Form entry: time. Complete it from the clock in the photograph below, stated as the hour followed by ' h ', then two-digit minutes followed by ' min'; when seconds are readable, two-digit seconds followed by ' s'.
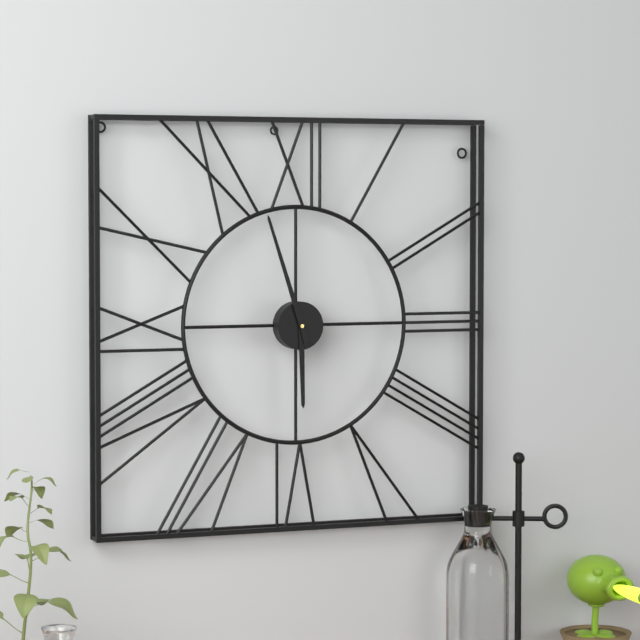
5 h 57 min
